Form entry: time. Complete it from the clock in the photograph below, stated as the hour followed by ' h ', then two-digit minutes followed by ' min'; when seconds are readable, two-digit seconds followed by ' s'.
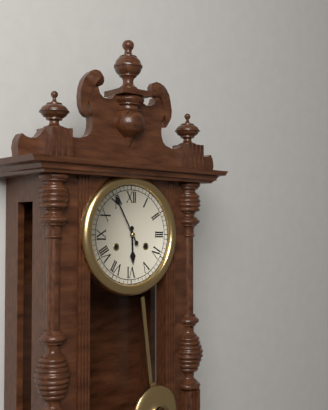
5 h 55 min
